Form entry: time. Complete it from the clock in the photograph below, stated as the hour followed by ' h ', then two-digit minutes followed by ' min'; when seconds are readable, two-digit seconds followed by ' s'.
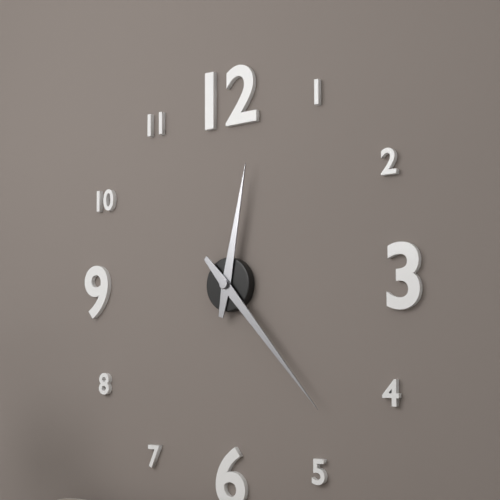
12 h 23 min
